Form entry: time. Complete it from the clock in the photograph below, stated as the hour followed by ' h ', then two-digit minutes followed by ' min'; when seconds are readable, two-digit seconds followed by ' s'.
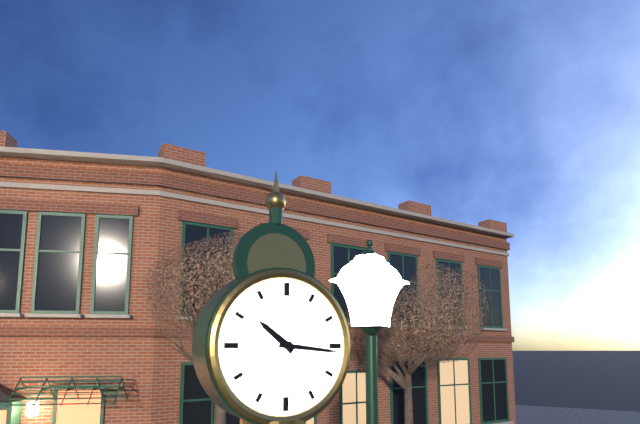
10 h 16 min
